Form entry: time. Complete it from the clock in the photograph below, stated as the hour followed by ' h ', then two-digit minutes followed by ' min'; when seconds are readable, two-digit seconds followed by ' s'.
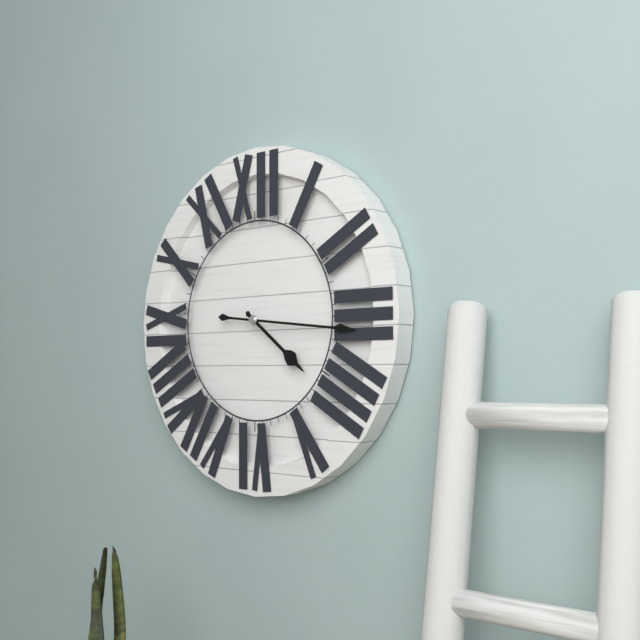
4 h 16 min
